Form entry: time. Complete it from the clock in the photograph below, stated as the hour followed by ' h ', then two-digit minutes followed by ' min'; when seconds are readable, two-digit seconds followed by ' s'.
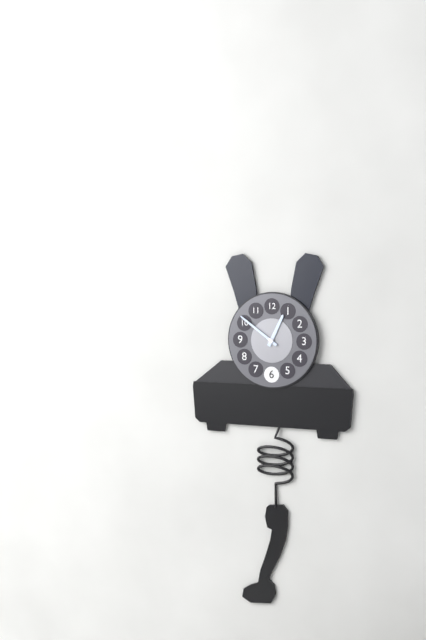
12 h 51 min
